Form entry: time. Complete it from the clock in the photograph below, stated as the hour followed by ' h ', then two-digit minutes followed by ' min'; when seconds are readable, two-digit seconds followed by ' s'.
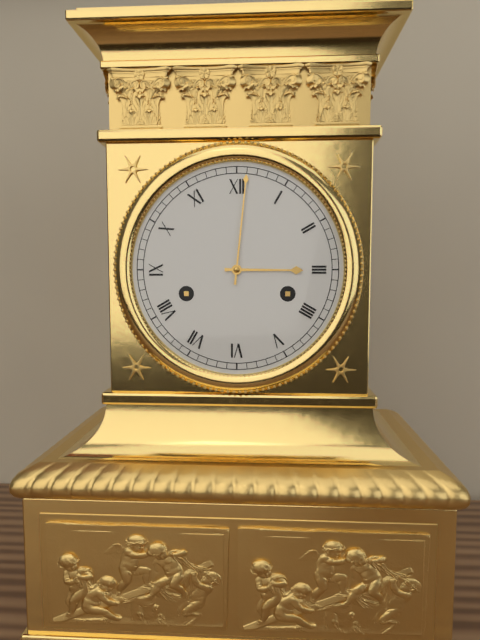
3 h 01 min
